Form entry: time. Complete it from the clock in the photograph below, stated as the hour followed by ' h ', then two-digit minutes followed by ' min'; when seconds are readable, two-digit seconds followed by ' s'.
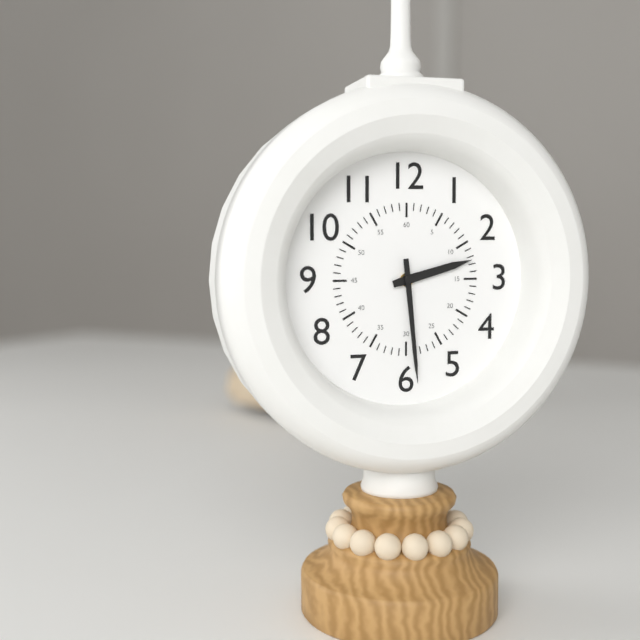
2 h 29 min
